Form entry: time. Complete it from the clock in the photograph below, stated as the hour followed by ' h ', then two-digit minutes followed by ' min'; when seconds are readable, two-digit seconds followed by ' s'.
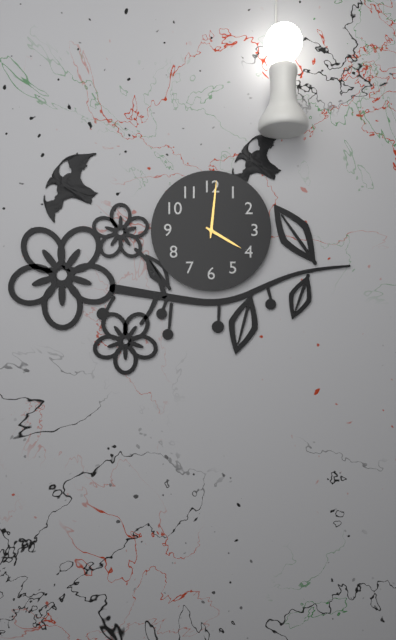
4 h 01 min
